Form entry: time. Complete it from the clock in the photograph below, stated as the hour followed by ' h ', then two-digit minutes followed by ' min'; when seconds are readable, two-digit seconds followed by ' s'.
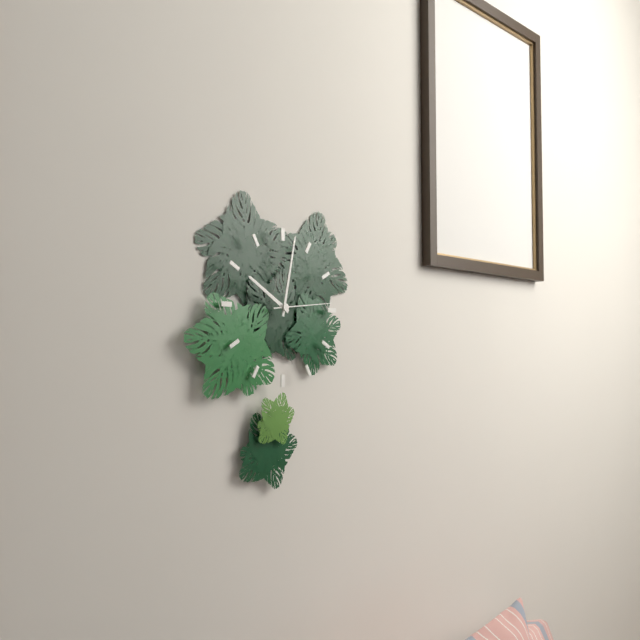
10 h 02 min 14 s
